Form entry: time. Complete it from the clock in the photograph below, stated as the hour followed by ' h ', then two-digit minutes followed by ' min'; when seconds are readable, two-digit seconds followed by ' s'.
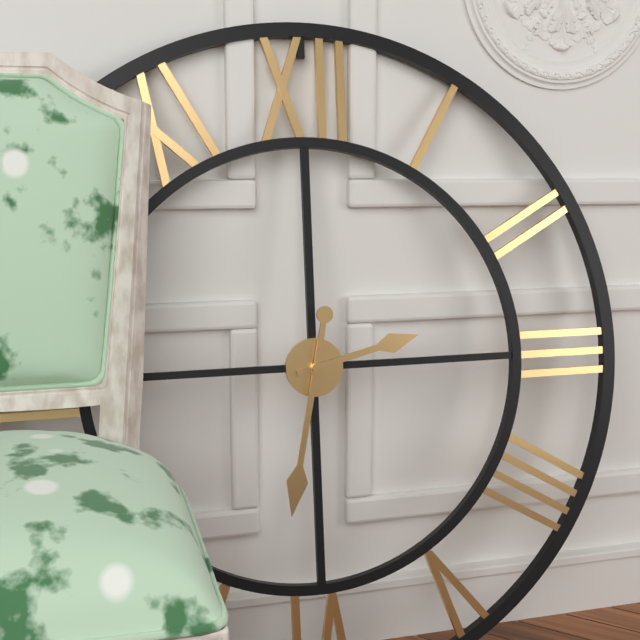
2 h 32 min
